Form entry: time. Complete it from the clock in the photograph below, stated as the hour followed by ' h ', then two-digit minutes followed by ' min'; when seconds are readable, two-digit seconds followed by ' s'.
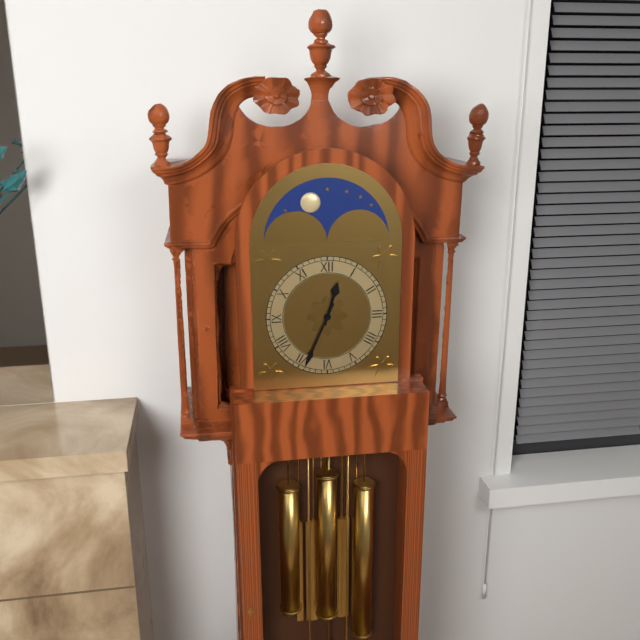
12 h 34 min
